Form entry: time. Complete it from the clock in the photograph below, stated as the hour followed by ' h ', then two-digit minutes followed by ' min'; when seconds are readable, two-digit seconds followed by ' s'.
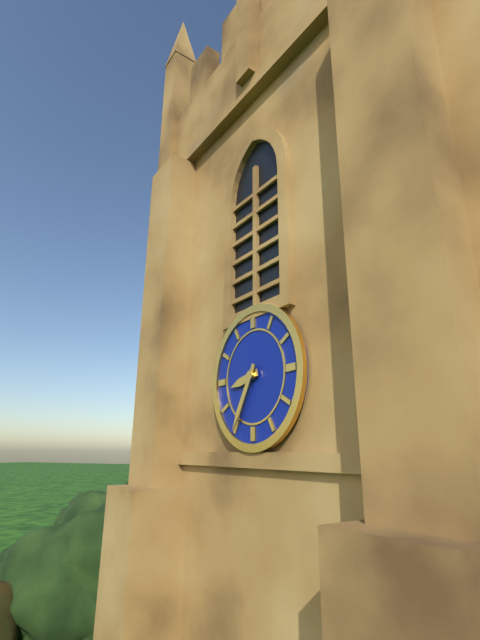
8 h 35 min
